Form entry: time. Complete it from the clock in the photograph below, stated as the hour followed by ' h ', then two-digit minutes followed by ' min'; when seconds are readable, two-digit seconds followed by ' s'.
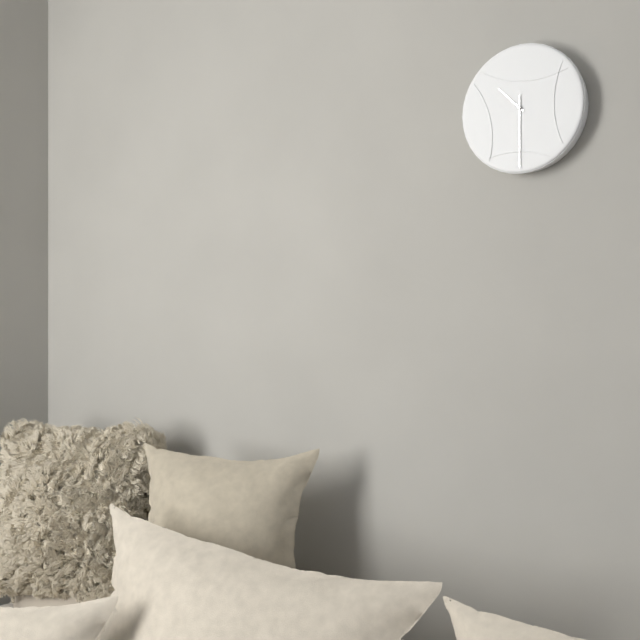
10 h 30 min
